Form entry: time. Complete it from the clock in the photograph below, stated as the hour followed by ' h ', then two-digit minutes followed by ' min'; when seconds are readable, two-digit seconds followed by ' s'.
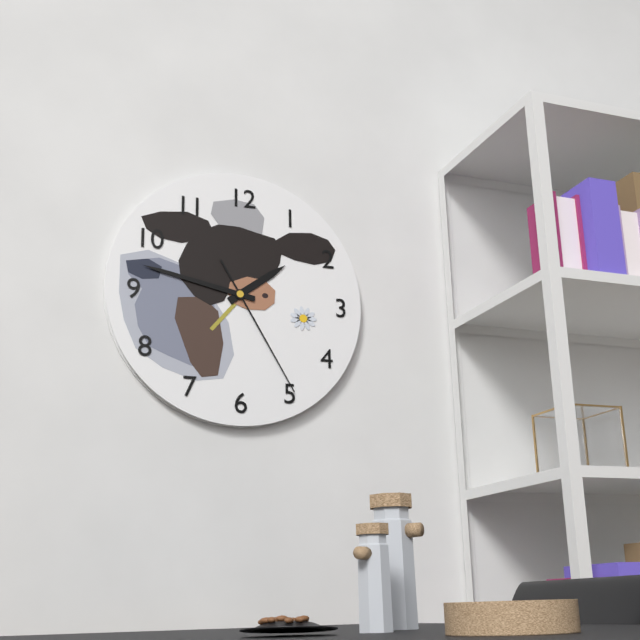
1 h 47 min 25 s
